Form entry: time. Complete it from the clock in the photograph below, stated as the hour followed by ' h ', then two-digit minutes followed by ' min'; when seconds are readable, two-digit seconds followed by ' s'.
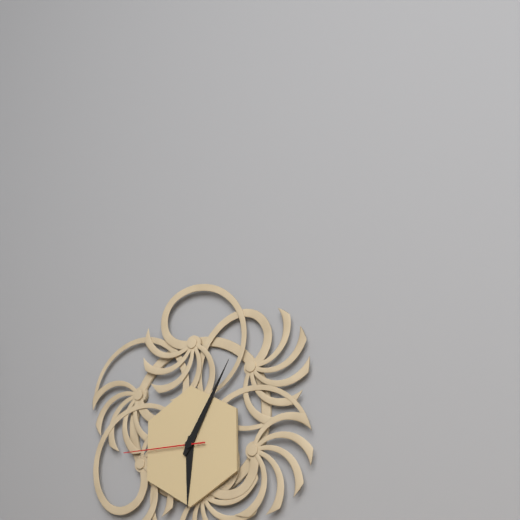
6 h 05 min 45 s
